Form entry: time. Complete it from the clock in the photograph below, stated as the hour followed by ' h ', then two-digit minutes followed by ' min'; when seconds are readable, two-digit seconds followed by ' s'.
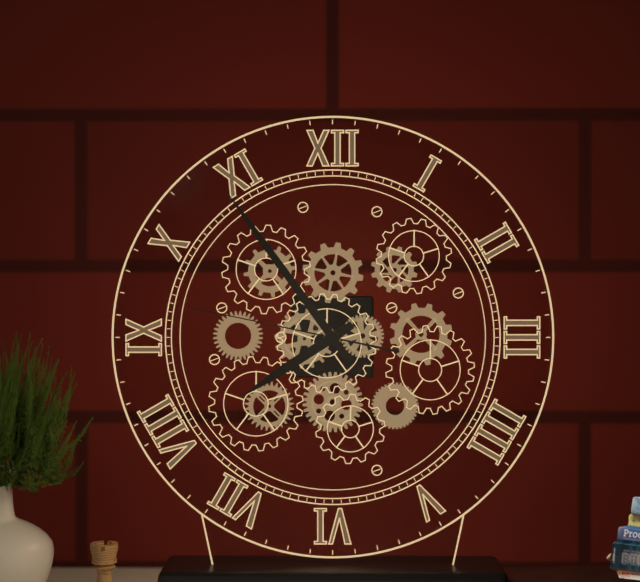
7 h 54 min 47 s
